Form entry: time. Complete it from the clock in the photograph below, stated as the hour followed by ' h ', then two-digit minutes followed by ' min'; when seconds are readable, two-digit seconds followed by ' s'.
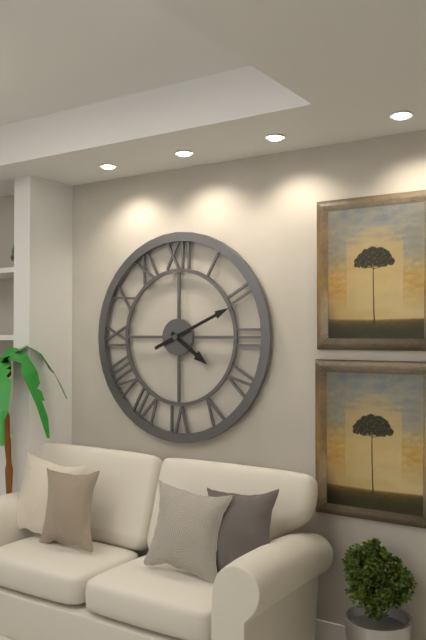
4 h 11 min
